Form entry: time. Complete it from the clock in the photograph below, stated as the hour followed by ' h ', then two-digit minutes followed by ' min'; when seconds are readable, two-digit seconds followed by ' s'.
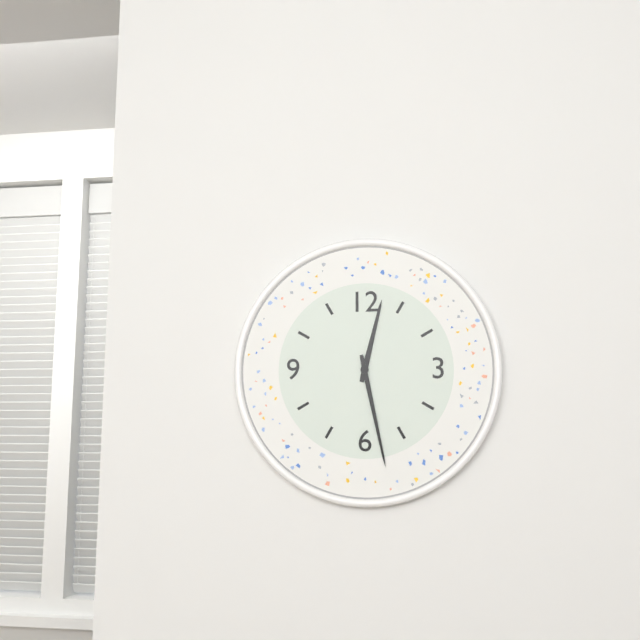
12 h 28 min
